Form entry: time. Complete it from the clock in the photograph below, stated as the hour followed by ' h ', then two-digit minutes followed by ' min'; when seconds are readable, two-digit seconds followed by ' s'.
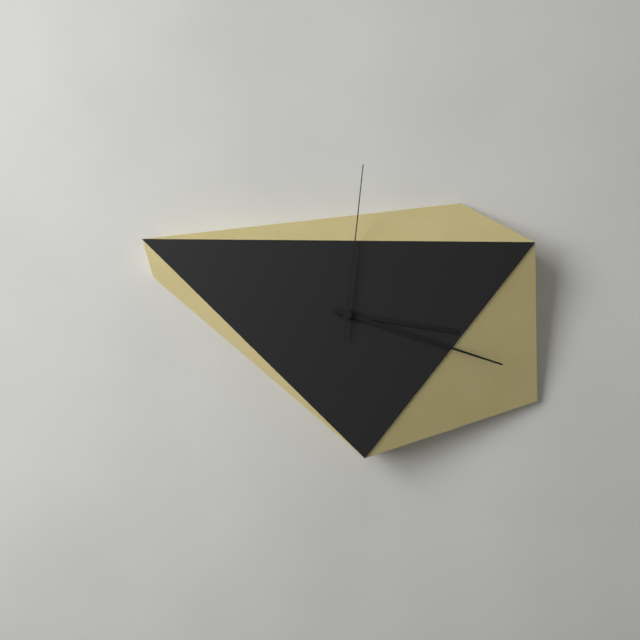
3 h 18 min 01 s
